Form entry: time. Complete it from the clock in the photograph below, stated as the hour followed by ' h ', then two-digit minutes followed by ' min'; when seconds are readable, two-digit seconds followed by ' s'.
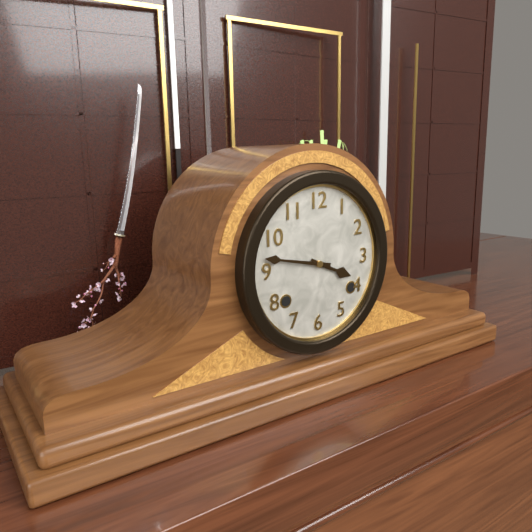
3 h 47 min
